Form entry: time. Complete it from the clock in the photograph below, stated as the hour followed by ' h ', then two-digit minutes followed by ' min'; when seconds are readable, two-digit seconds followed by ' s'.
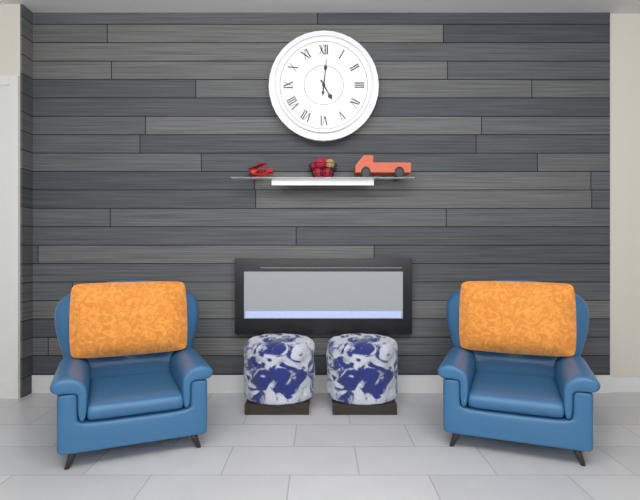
5 h 01 min
